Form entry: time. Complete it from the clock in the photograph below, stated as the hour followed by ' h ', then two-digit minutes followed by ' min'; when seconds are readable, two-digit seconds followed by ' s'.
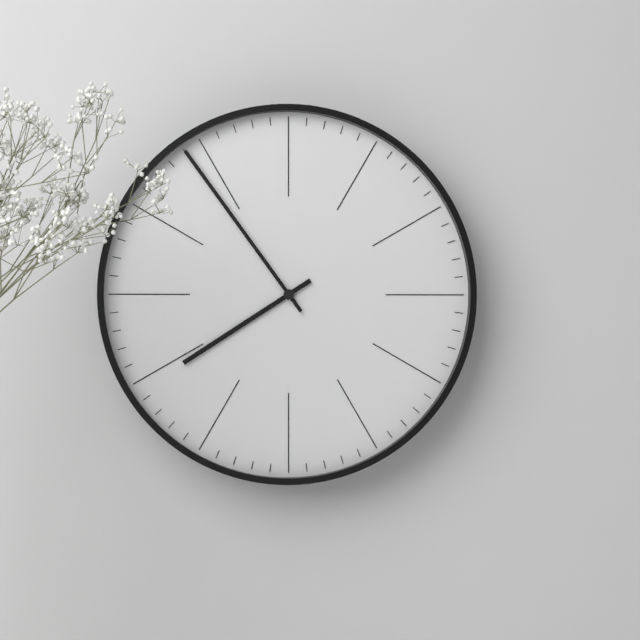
7 h 54 min
